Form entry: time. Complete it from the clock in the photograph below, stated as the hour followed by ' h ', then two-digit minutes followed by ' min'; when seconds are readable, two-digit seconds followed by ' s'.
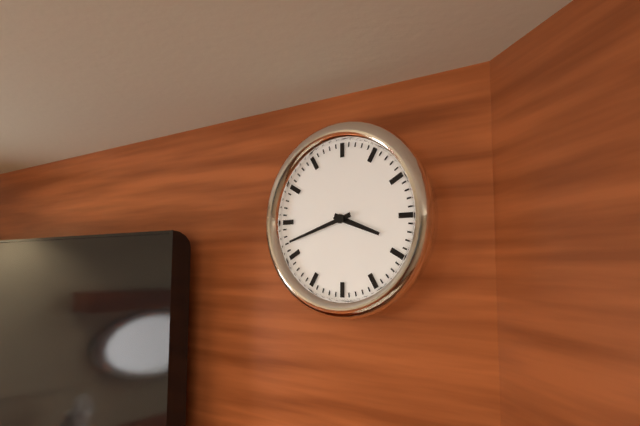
3 h 42 min
